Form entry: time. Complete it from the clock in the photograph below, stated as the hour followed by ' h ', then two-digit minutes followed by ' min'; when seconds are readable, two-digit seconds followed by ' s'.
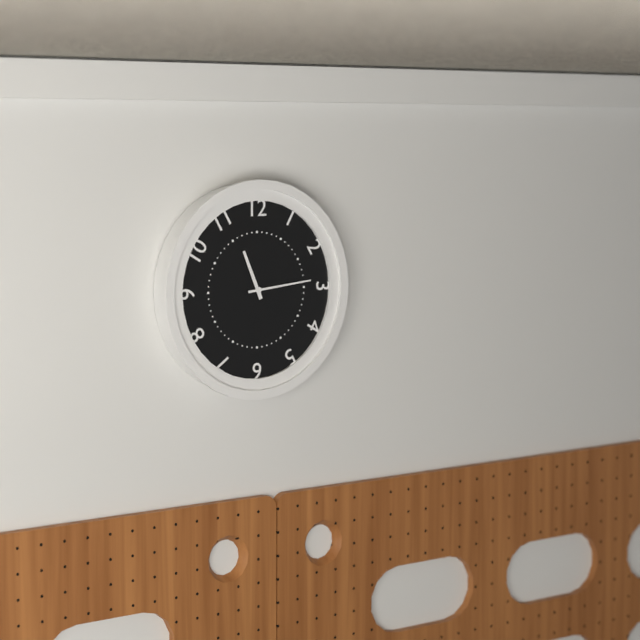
11 h 14 min
